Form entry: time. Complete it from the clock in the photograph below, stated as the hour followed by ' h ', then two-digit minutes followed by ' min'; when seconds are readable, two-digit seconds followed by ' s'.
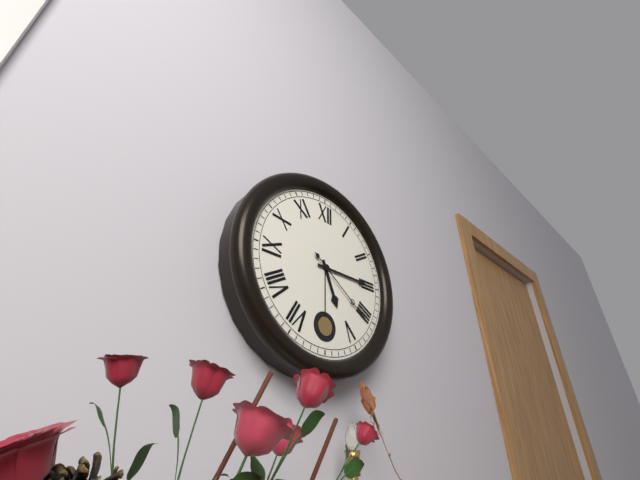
5 h 15 min 21 s
